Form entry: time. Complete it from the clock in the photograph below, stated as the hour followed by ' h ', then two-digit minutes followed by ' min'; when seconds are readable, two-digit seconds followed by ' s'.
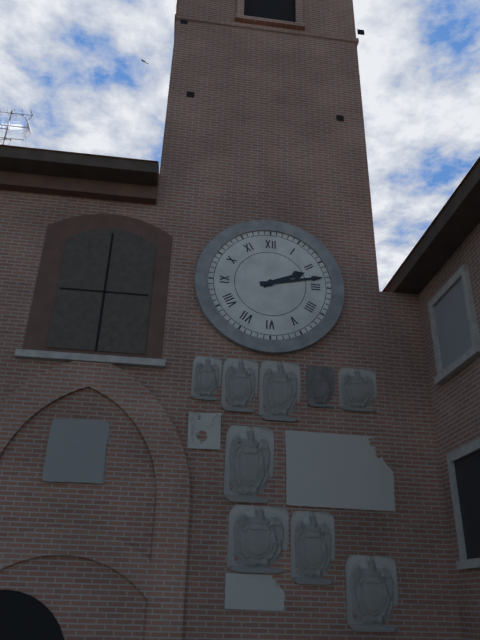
2 h 13 min
